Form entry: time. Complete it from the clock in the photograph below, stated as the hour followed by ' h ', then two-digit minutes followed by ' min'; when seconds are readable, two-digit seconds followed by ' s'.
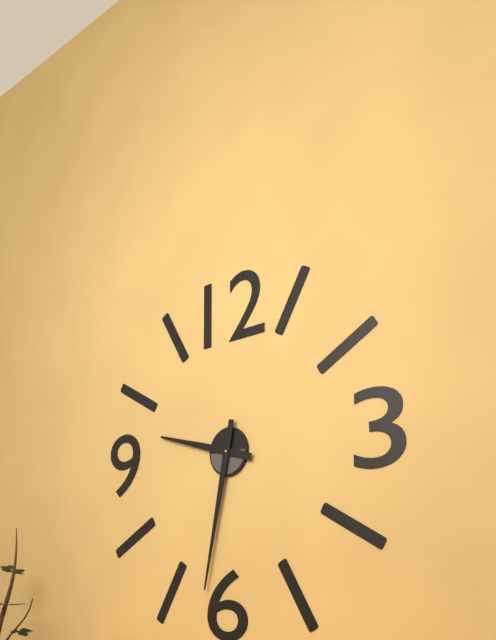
9 h 32 min
